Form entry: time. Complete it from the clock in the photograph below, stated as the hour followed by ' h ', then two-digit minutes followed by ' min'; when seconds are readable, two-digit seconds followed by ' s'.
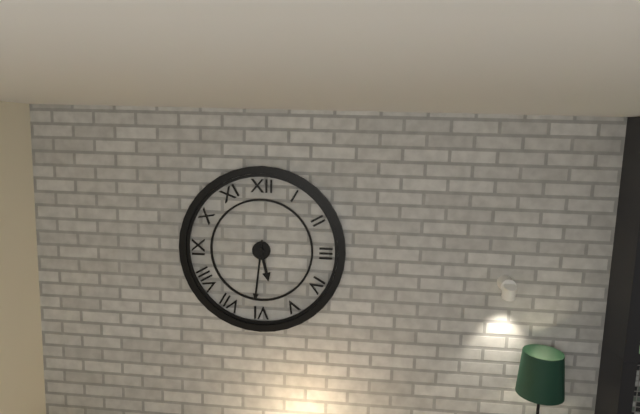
5 h 31 min
